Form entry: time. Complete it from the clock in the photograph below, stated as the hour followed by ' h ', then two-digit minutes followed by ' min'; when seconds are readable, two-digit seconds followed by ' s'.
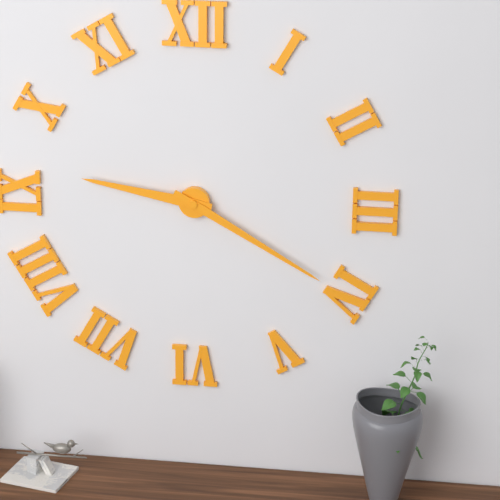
9 h 20 min
